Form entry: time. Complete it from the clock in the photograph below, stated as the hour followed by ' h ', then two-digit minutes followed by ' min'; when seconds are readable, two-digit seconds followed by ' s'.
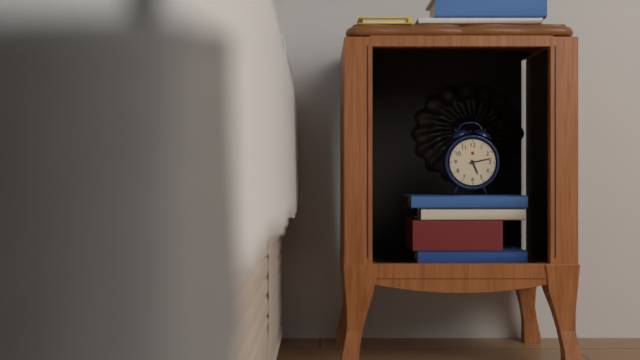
5 h 13 min
